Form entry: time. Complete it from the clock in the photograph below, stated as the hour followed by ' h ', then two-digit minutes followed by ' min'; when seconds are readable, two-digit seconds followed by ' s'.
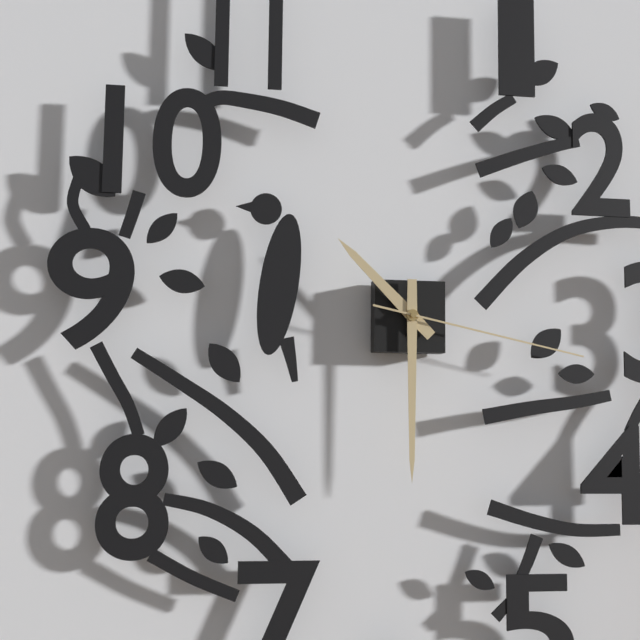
10 h 30 min 17 s
